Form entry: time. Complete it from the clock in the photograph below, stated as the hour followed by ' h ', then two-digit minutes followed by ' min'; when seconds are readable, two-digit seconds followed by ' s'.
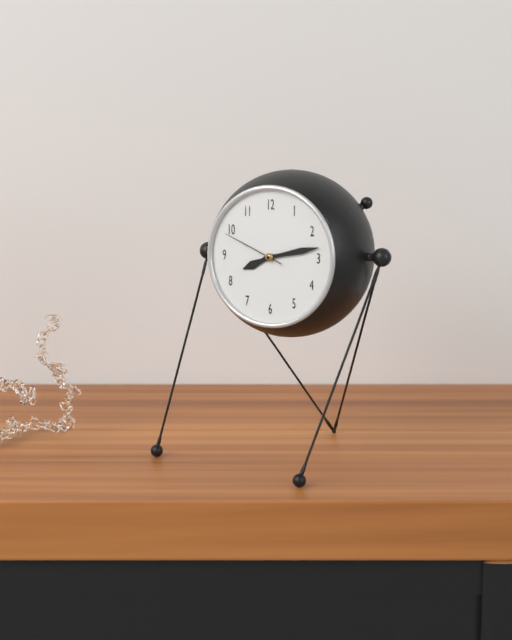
8 h 13 min 49 s
